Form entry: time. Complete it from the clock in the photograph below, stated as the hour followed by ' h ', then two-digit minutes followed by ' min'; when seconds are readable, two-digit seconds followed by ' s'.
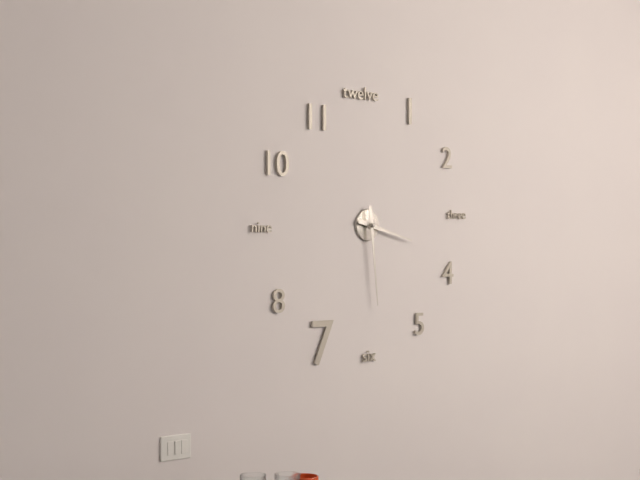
3 h 29 min
